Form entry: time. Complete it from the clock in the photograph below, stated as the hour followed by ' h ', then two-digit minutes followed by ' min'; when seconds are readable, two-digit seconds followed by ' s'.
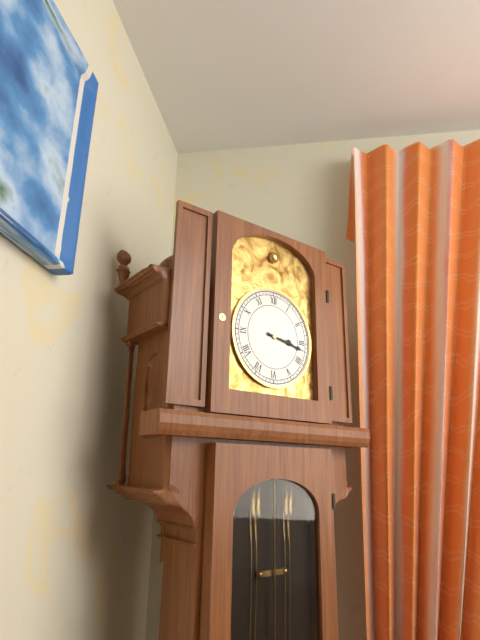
3 h 17 min
